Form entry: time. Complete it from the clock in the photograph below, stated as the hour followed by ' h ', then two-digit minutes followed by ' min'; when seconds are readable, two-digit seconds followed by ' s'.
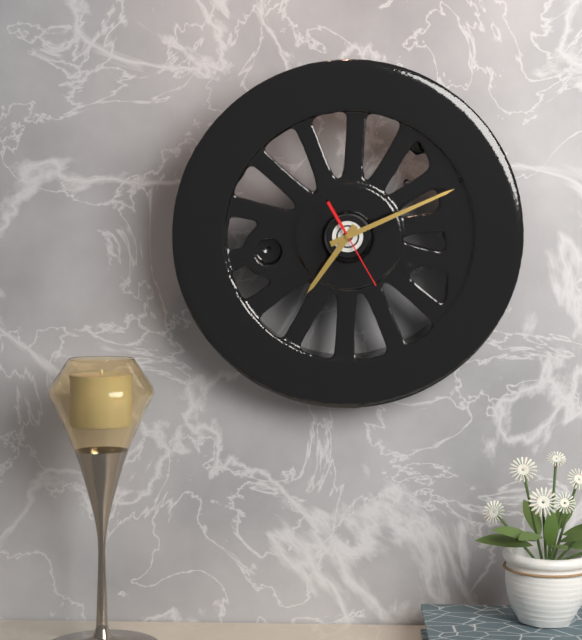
7 h 11 min 25 s
